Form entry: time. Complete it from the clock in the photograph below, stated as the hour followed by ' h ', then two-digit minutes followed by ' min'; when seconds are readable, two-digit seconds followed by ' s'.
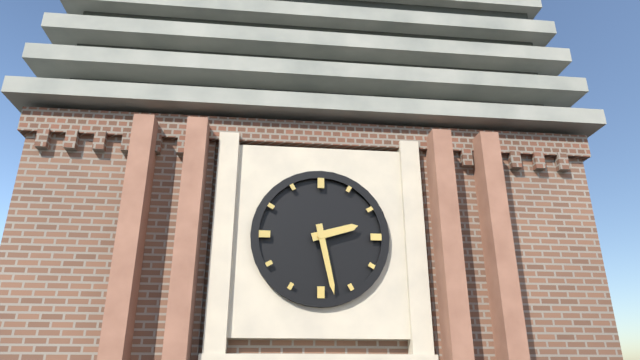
2 h 28 min
